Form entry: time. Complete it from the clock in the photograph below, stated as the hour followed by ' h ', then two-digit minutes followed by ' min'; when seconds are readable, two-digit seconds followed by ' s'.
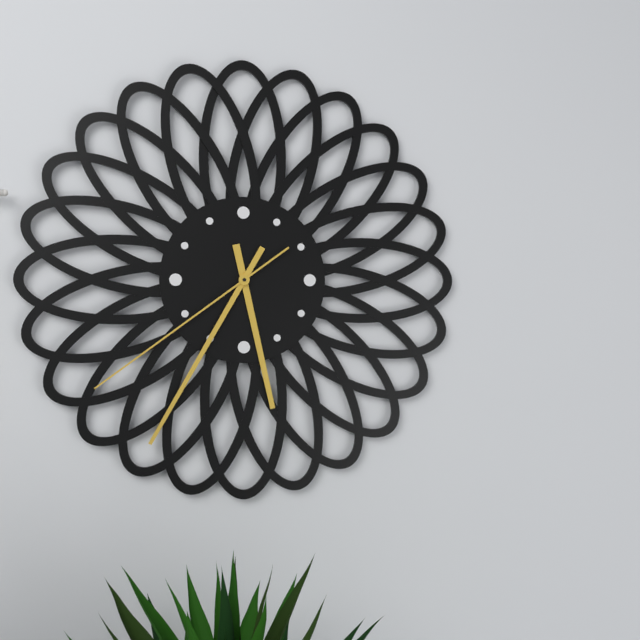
5 h 35 min 39 s
